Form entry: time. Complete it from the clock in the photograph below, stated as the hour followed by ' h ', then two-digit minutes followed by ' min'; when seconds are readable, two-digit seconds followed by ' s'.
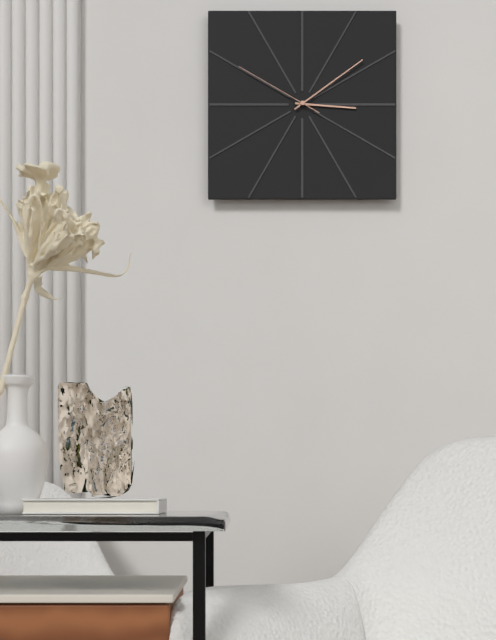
3 h 09 min 50 s
